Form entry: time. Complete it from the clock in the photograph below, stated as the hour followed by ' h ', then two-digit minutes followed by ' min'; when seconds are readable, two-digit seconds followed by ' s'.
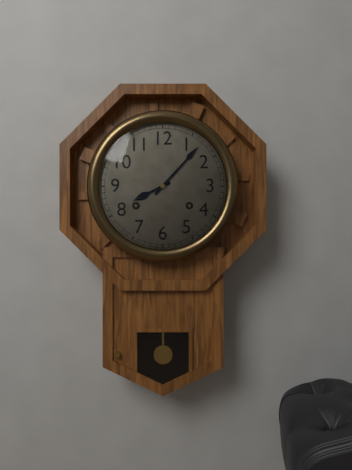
8 h 07 min
